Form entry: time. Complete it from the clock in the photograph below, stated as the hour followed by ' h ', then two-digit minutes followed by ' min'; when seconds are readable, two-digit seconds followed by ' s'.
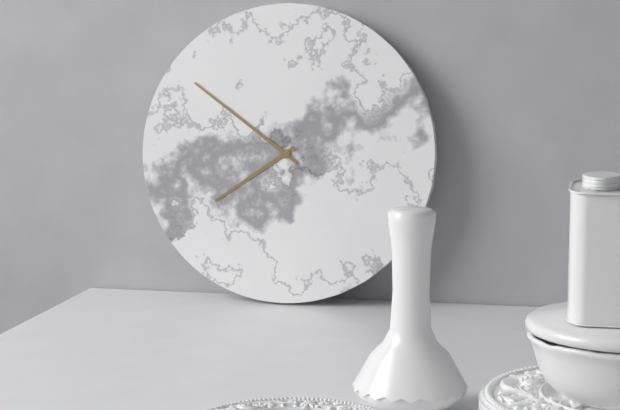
7 h 51 min
